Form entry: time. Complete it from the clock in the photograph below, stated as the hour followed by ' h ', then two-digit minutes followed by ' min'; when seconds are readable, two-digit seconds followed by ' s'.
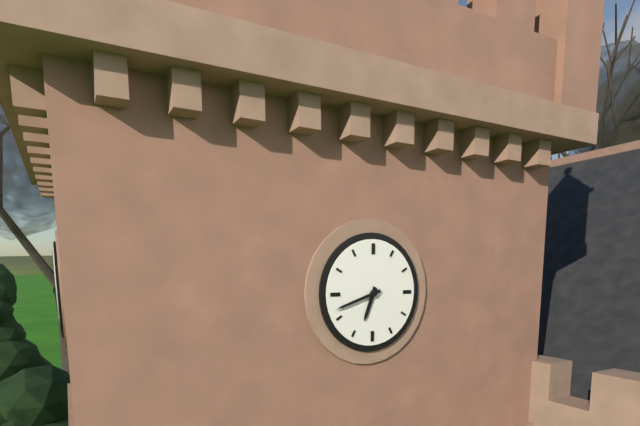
6 h 42 min
